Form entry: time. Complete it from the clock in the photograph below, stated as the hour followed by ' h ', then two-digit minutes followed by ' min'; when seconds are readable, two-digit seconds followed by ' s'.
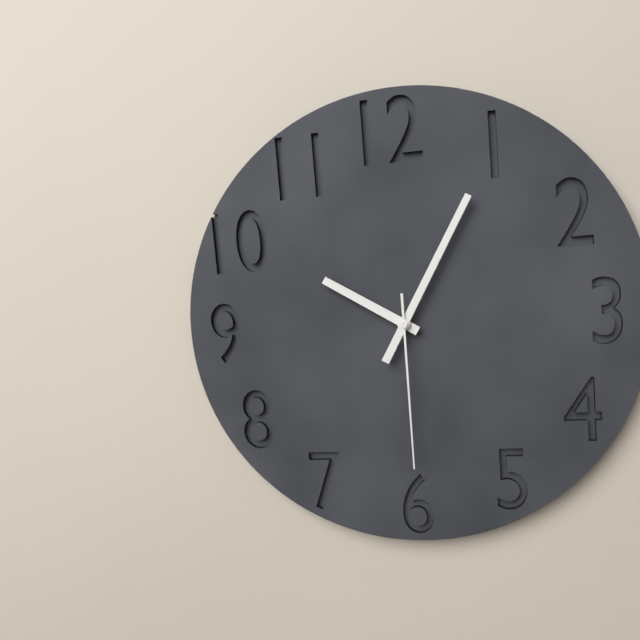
10 h 05 min 30 s
